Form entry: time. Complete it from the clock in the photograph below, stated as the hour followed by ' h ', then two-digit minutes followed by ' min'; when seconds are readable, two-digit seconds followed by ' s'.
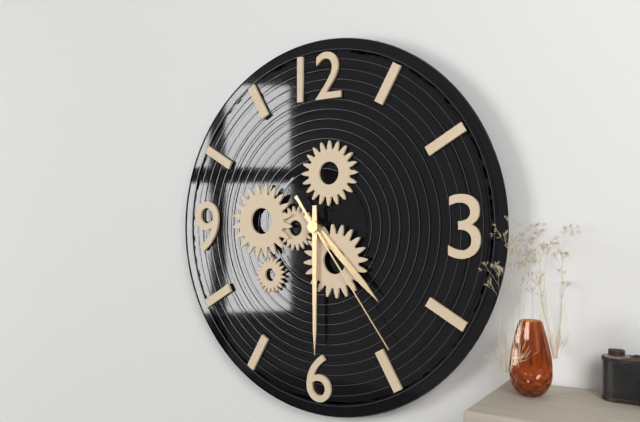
4 h 30 min 24 s
